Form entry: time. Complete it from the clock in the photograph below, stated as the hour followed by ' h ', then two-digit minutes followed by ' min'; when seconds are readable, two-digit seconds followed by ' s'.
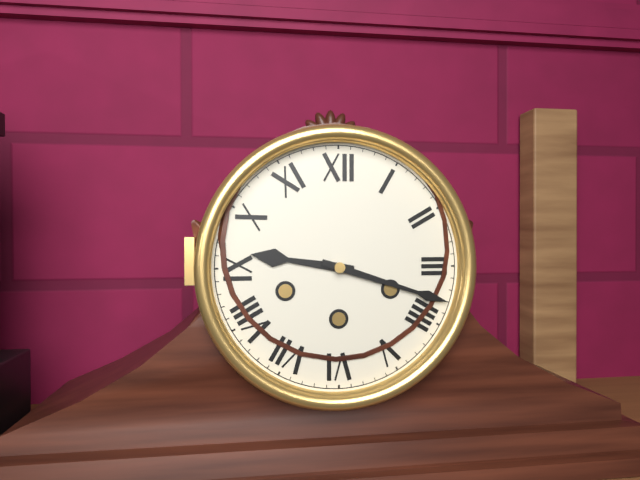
9 h 18 min
